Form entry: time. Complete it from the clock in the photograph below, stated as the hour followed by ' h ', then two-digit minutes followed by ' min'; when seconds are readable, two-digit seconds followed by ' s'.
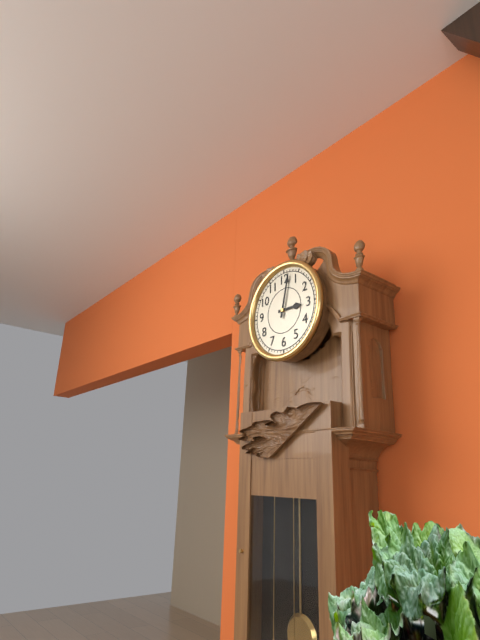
3 h 02 min
